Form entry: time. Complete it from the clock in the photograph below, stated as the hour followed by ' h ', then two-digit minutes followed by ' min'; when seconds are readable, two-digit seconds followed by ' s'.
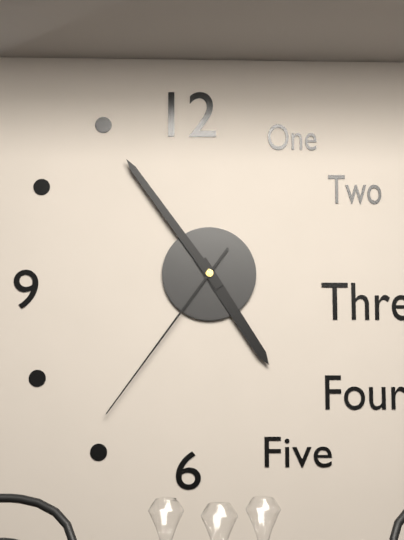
4 h 54 min 36 s
